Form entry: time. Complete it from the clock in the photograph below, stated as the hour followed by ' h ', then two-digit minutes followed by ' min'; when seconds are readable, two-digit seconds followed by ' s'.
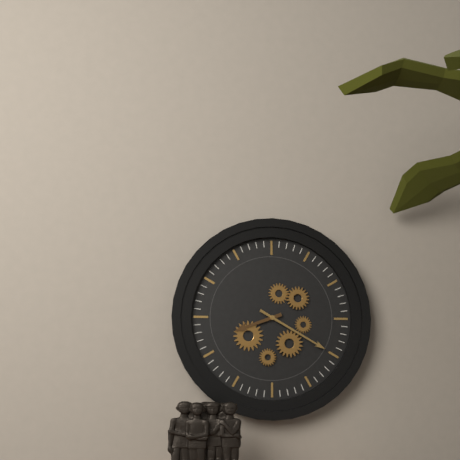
8 h 20 min
